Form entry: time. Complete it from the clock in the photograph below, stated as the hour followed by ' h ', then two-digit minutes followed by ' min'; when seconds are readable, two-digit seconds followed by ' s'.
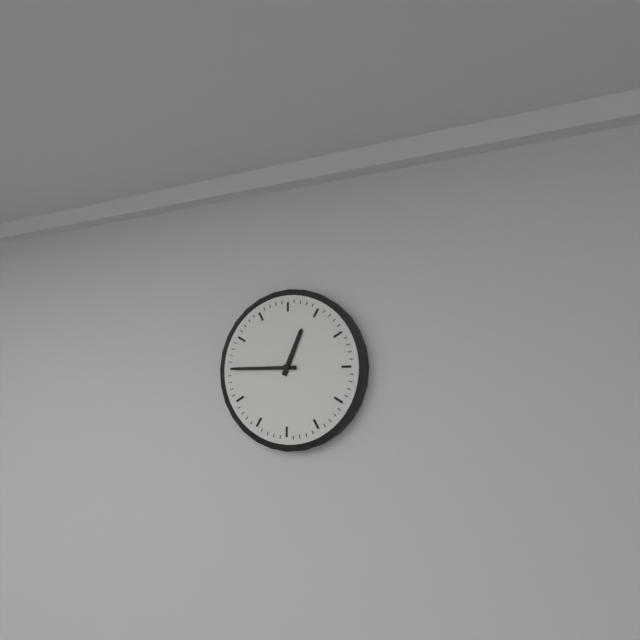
12 h 45 min
